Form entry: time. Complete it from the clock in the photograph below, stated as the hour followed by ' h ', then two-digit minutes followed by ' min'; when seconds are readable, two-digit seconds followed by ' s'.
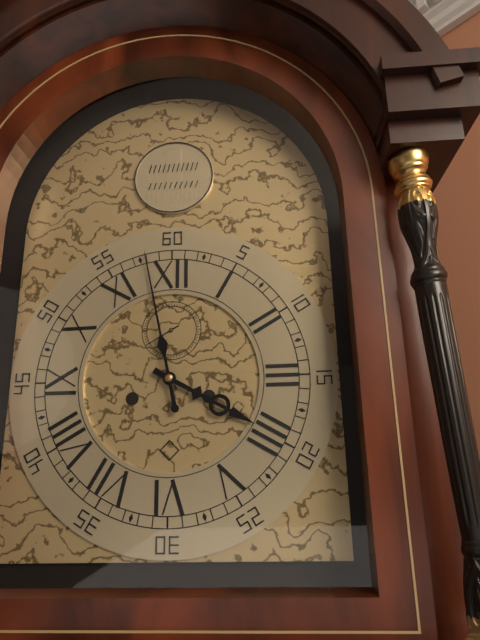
3 h 58 min
